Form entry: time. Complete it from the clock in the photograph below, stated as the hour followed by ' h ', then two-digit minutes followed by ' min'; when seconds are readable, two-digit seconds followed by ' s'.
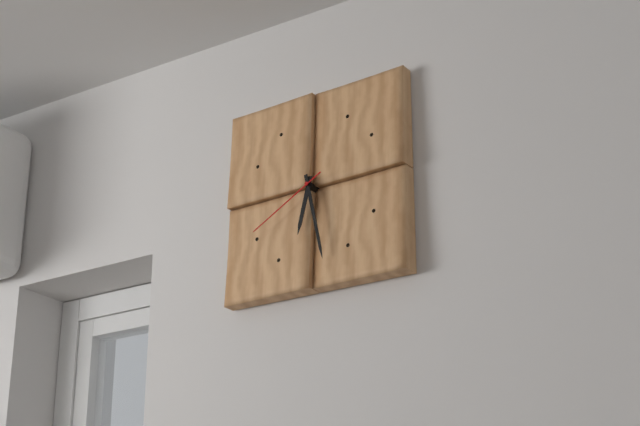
6 h 28 min 40 s
